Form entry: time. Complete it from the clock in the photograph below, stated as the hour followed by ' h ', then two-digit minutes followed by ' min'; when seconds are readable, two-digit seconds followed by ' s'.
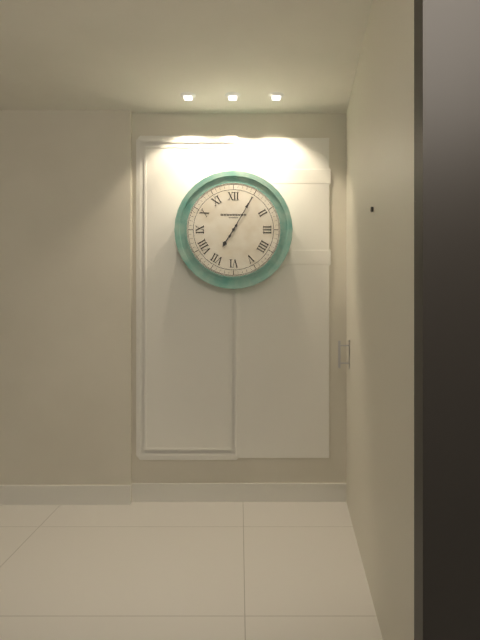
7 h 05 min
